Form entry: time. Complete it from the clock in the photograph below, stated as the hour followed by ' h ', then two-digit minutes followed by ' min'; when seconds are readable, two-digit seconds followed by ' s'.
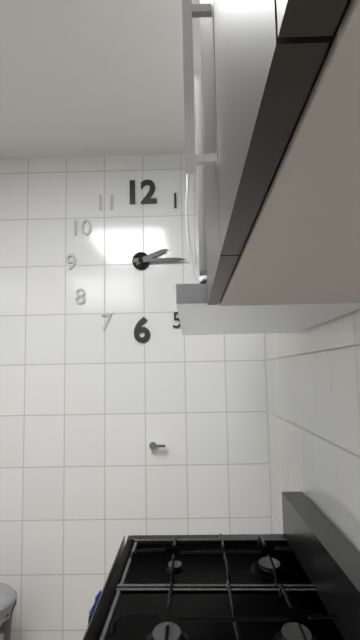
2 h 15 min
